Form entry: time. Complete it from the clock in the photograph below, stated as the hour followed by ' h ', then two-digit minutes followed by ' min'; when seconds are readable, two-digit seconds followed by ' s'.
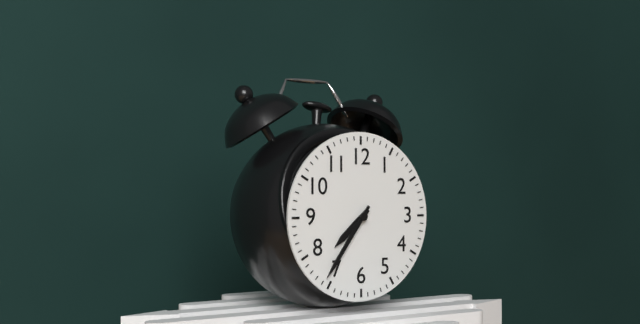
7 h 36 min
